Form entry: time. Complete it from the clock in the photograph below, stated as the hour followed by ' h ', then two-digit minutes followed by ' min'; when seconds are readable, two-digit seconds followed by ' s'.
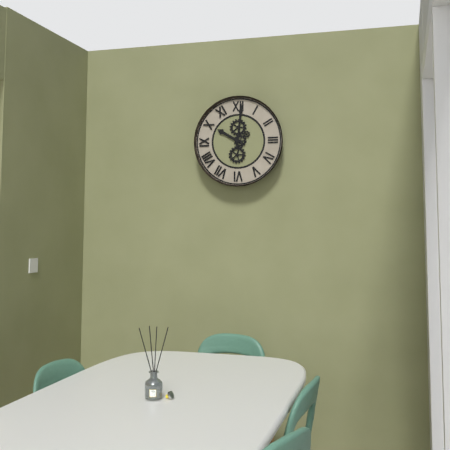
10 h 01 min
